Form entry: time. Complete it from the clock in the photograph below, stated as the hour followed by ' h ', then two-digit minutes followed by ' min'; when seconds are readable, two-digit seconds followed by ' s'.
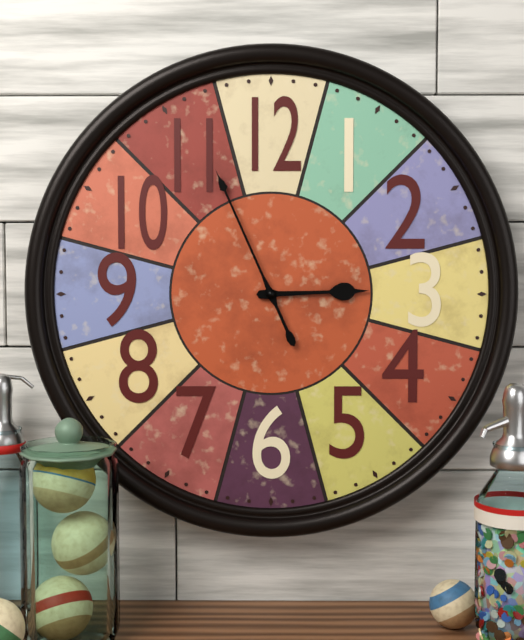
2 h 56 min
